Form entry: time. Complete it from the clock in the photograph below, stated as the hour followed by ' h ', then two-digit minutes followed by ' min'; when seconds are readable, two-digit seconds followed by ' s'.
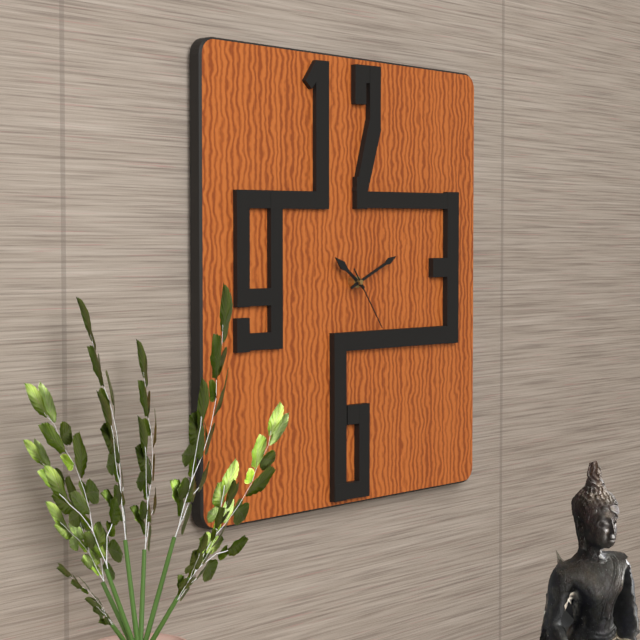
10 h 11 min 24 s
